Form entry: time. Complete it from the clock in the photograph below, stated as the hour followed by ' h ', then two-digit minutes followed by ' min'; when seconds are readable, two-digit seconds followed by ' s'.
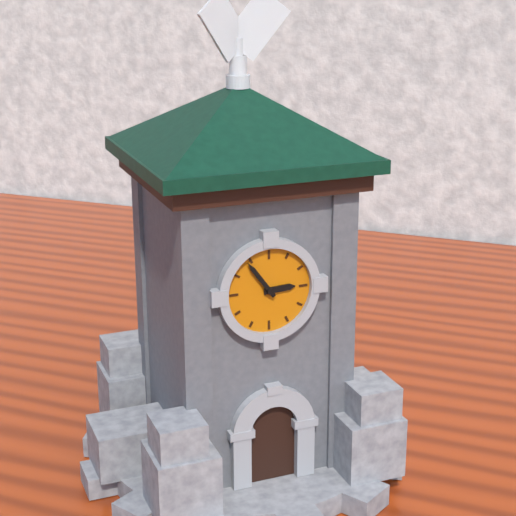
2 h 54 min
